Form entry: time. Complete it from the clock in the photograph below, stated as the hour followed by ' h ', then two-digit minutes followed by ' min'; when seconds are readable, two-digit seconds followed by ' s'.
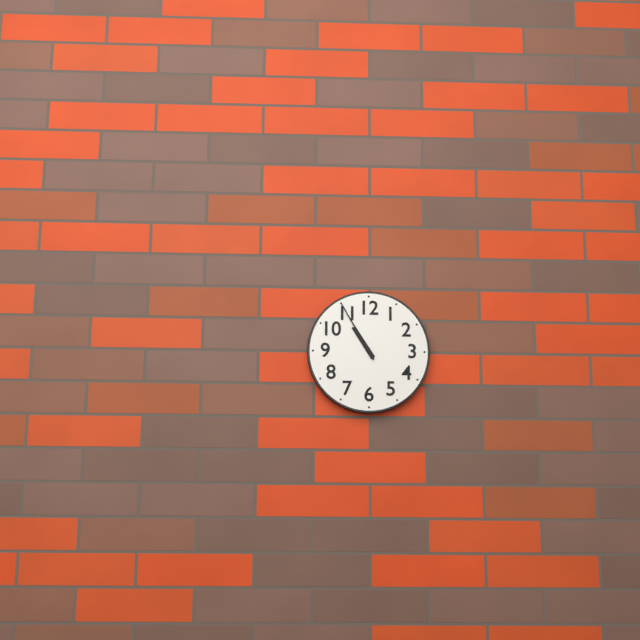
10 h 55 min
